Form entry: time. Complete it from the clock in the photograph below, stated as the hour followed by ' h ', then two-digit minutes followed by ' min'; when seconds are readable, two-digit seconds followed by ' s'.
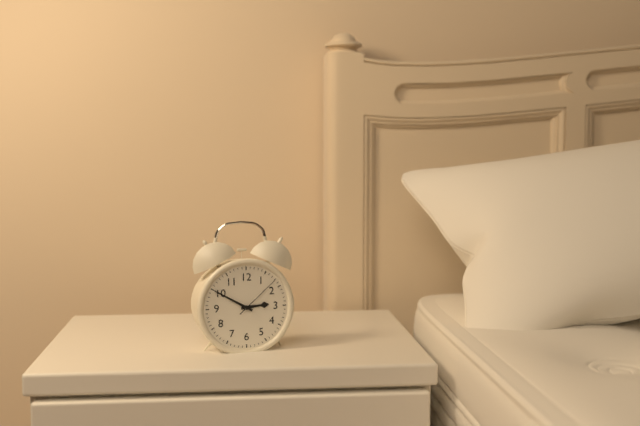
2 h 50 min
